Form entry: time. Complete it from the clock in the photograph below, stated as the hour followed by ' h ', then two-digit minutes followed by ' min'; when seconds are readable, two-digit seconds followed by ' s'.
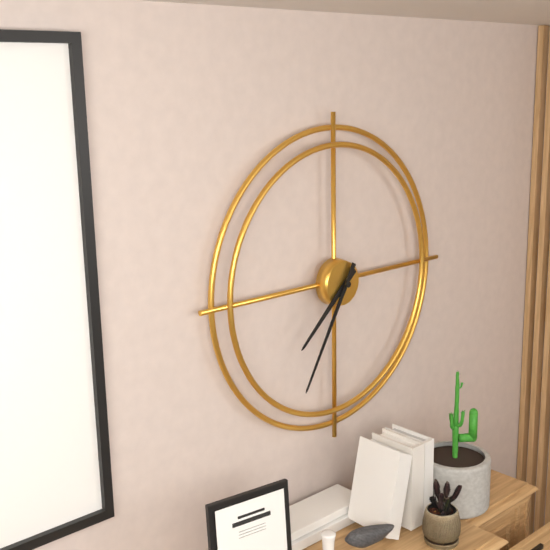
7 h 35 min
